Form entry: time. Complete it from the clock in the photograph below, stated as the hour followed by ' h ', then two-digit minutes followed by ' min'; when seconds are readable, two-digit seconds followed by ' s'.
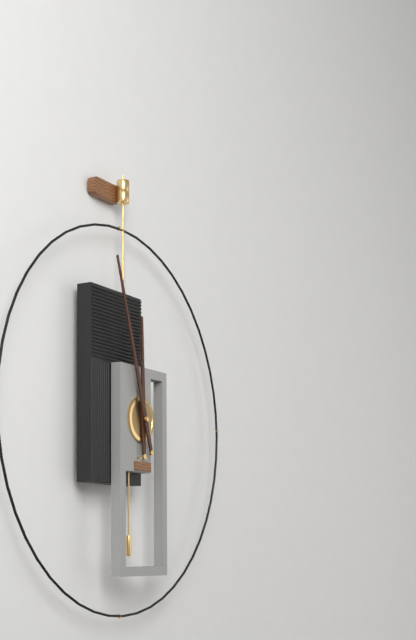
11 h 57 min
